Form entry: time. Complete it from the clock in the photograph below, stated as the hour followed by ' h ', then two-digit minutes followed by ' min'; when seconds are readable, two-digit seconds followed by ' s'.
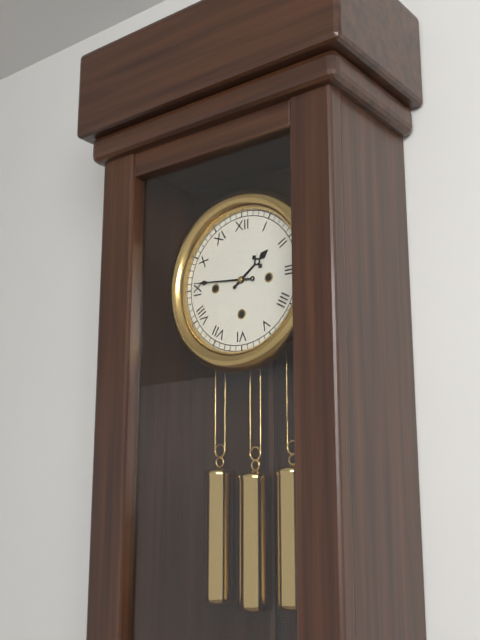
1 h 46 min
